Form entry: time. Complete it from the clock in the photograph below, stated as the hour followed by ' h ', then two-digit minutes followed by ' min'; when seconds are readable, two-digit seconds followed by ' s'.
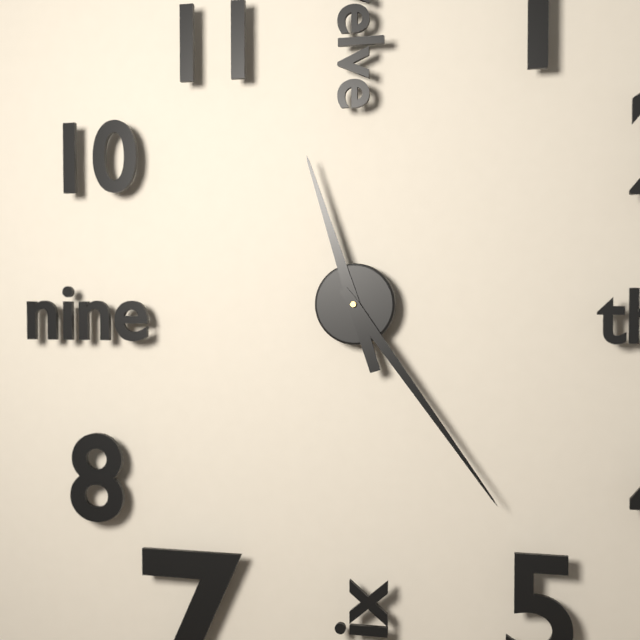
11 h 24 min
